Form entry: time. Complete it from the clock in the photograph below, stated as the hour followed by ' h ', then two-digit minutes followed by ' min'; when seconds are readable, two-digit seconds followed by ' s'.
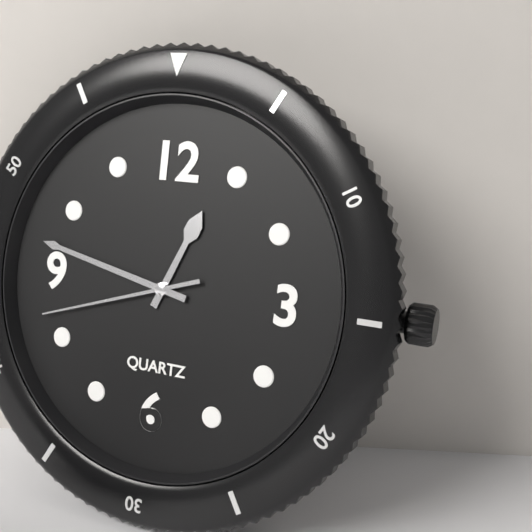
12 h 47 min 42 s
